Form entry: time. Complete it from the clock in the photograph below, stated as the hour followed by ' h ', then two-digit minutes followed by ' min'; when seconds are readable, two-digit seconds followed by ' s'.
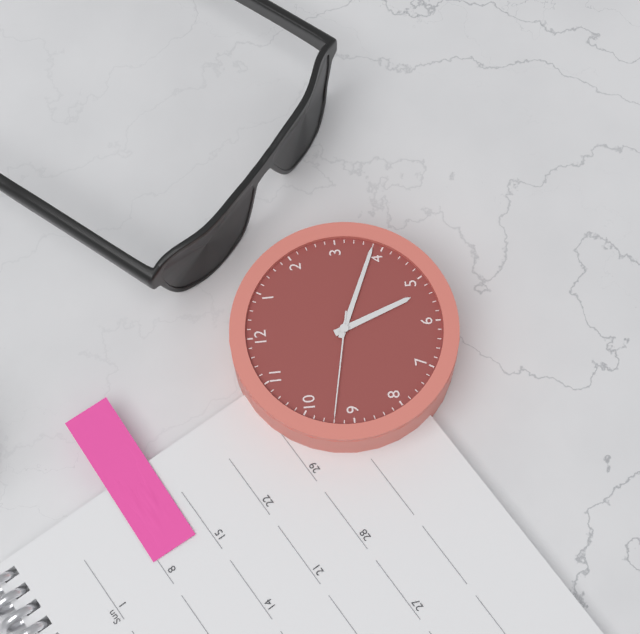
5 h 19 min 47 s
